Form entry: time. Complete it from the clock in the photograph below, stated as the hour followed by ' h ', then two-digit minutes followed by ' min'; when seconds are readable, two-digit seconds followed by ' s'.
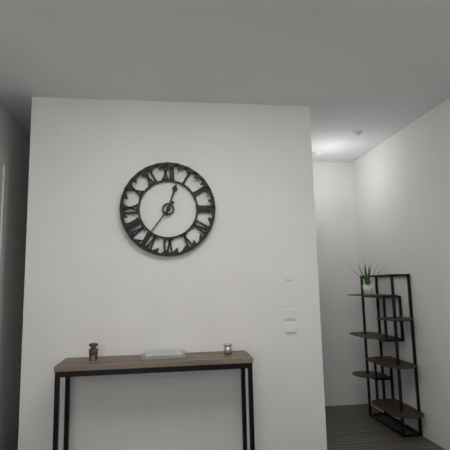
12 h 36 min
